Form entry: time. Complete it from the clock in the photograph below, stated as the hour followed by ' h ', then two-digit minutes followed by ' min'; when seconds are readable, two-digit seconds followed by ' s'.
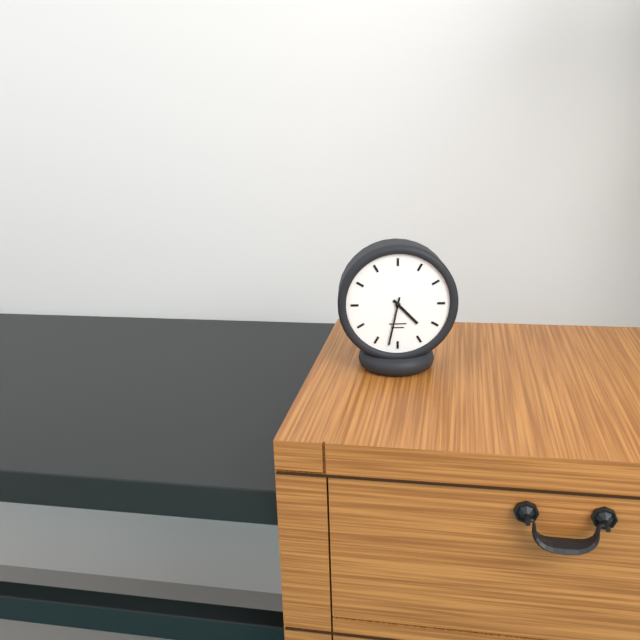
4 h 32 min
